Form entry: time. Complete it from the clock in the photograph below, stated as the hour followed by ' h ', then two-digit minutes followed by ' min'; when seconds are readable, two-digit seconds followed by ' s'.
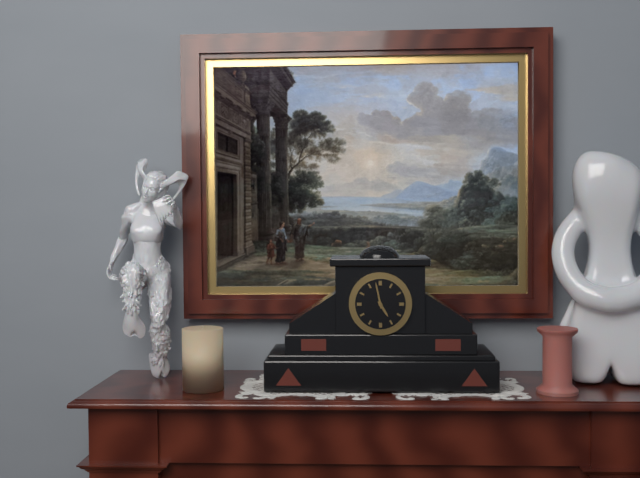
4 h 58 min
